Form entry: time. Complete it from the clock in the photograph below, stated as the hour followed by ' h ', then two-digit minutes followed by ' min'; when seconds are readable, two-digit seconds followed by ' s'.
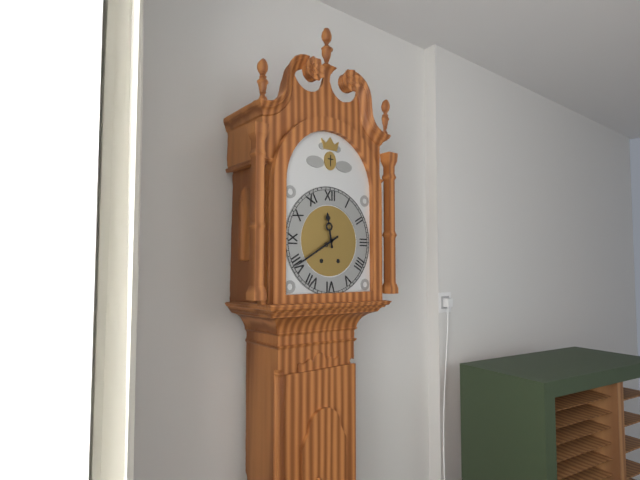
11 h 40 min
